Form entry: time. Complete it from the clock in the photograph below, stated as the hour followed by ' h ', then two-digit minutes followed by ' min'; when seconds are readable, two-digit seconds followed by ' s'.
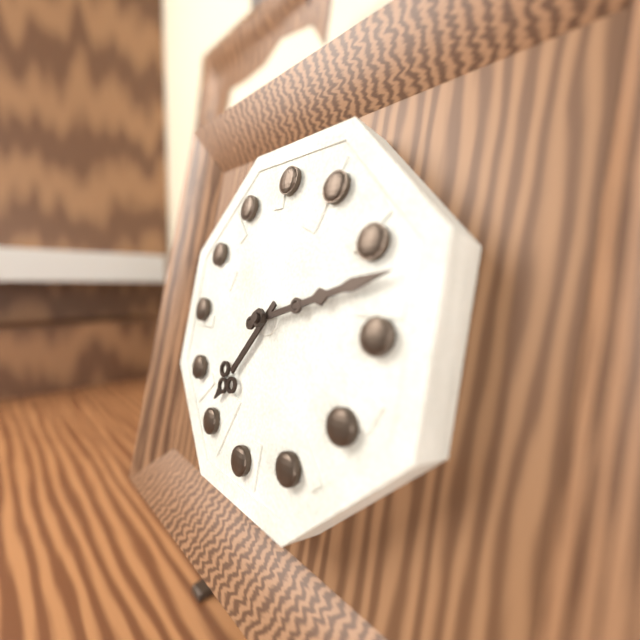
7 h 12 min
